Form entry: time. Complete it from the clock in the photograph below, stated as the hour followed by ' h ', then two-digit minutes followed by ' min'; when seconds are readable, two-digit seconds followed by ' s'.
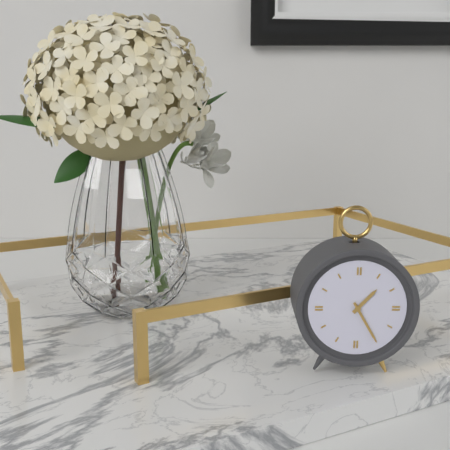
1 h 25 min
